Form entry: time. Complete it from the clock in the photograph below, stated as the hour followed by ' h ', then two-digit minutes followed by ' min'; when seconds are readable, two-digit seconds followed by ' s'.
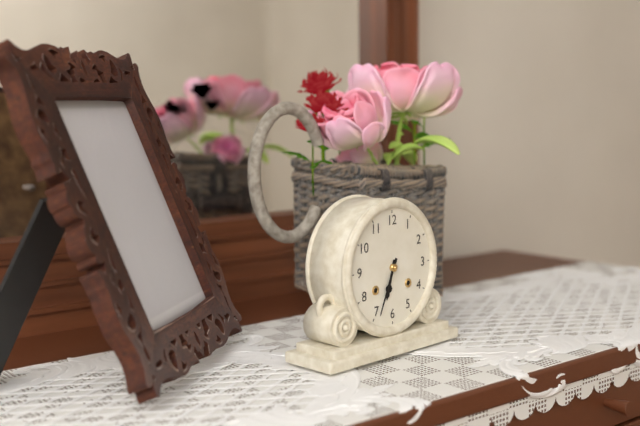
6 h 34 min
